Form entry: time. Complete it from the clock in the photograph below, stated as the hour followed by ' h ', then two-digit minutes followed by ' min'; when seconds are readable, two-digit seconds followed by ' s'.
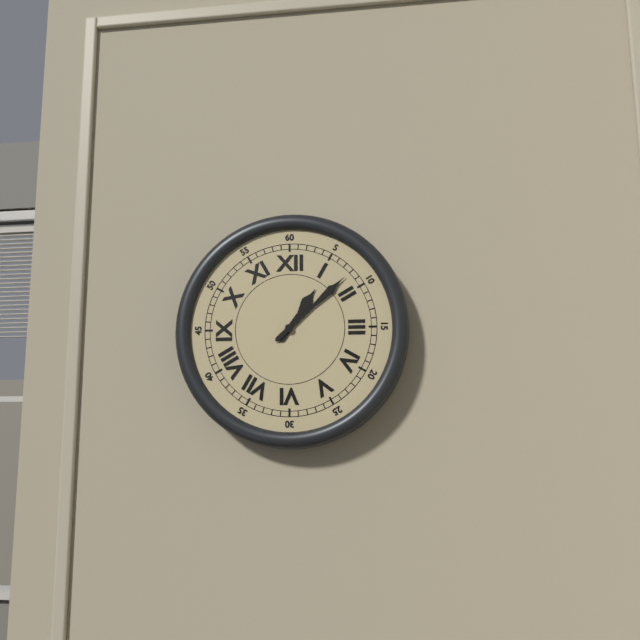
1 h 08 min
